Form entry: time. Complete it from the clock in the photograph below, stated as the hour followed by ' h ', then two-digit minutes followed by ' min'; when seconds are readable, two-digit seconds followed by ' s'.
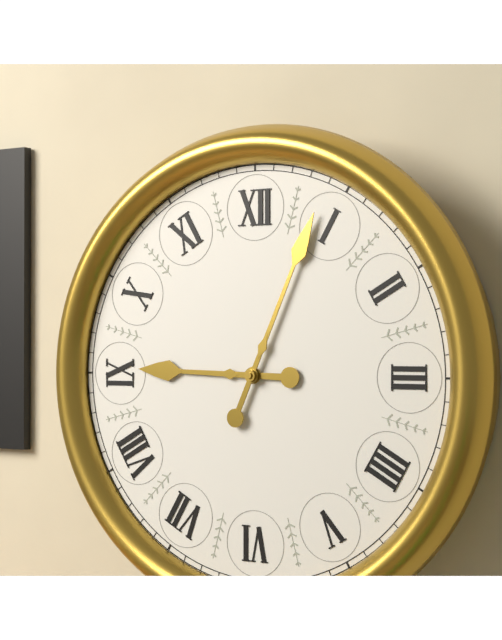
9 h 04 min
